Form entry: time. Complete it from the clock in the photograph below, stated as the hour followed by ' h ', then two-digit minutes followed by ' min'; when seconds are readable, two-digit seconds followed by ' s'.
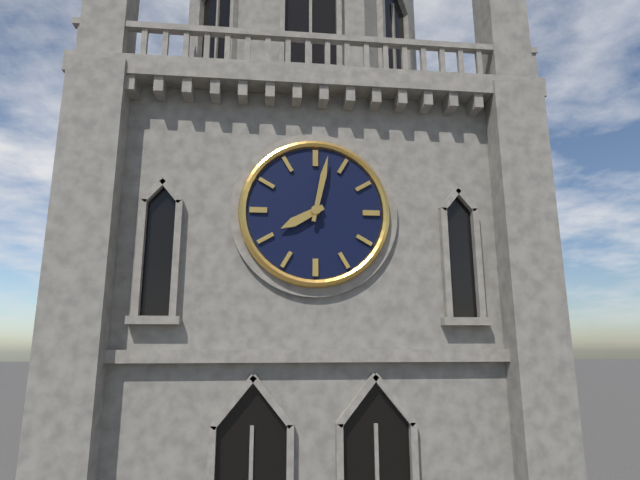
8 h 02 min
